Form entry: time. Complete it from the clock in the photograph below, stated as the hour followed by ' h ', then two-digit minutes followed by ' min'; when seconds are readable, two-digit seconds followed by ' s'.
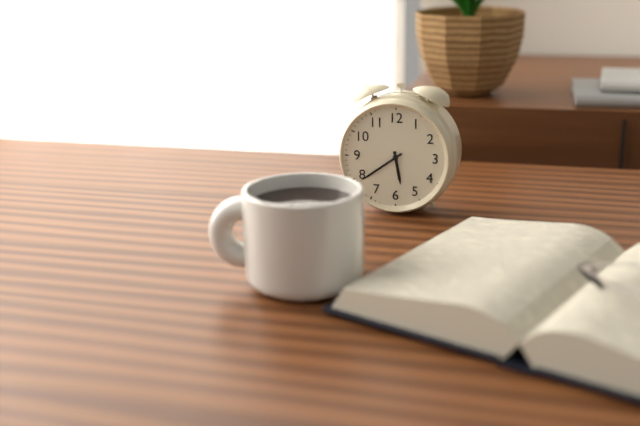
5 h 39 min
